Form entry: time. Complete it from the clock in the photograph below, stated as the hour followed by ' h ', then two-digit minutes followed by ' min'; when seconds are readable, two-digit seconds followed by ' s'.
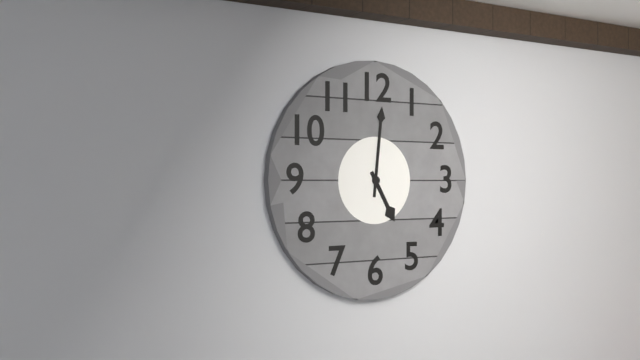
5 h 01 min
